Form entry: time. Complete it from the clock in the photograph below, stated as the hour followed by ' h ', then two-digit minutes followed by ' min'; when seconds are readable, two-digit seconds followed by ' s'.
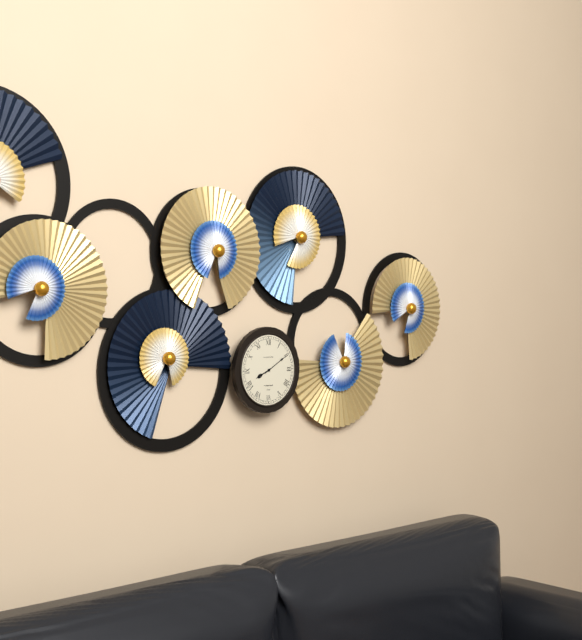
8 h 10 min
